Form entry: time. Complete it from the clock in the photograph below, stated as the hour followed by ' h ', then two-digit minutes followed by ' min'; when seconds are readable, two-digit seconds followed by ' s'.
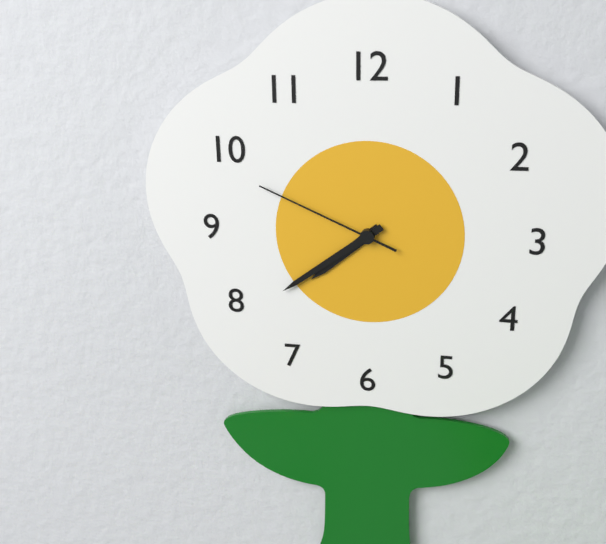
7 h 39 min 49 s
